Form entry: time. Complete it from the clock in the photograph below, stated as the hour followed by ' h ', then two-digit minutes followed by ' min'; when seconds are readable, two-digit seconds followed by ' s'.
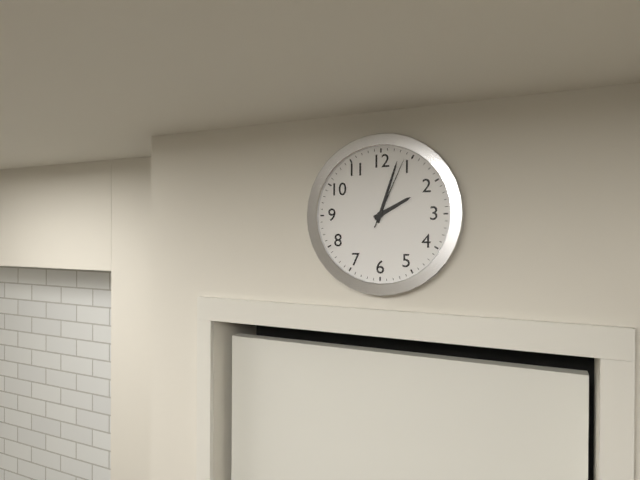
2 h 03 min 04 s
